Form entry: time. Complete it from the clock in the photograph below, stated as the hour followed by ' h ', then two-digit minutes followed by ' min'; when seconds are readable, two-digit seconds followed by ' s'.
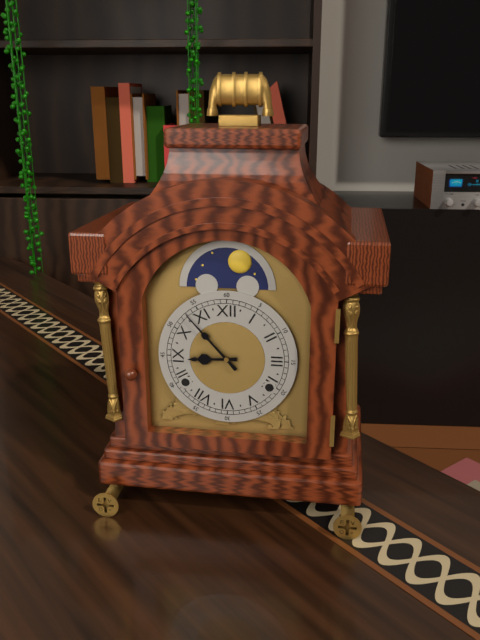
8 h 53 min
